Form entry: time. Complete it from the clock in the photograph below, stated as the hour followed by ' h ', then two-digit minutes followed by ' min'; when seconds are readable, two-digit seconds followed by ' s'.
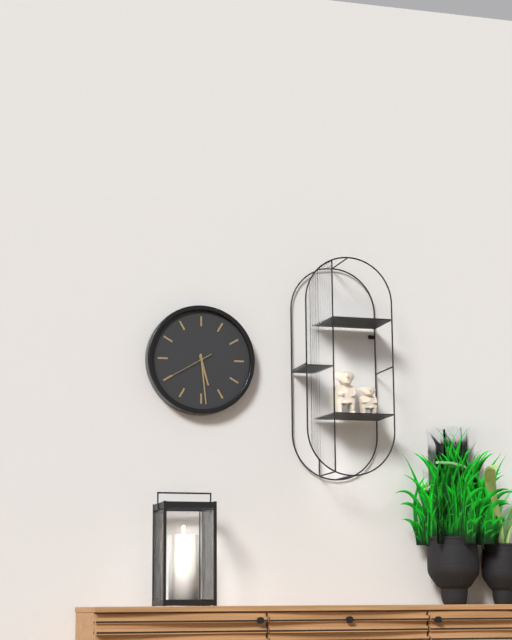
5 h 29 min
